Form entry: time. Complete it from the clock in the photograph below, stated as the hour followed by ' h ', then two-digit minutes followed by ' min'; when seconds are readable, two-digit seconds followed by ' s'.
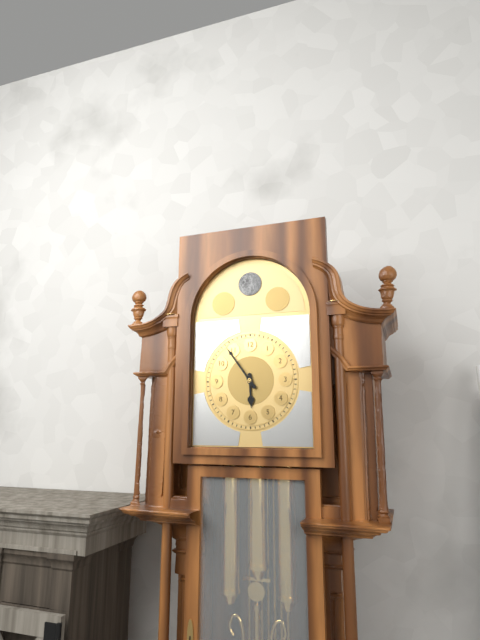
5 h 54 min
